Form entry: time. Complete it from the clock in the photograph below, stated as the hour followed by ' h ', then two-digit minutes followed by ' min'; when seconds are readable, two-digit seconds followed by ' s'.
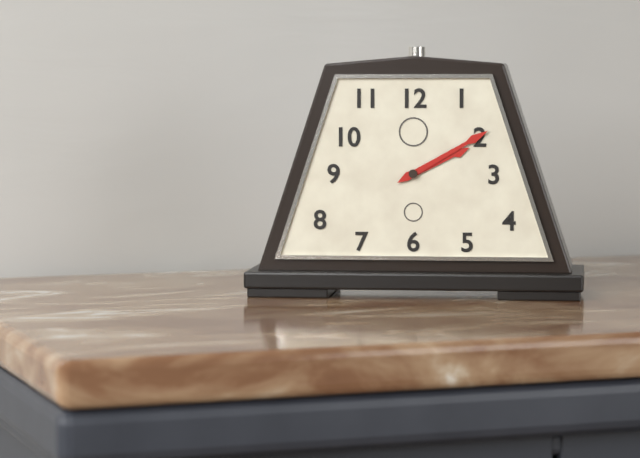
2 h 10 min
